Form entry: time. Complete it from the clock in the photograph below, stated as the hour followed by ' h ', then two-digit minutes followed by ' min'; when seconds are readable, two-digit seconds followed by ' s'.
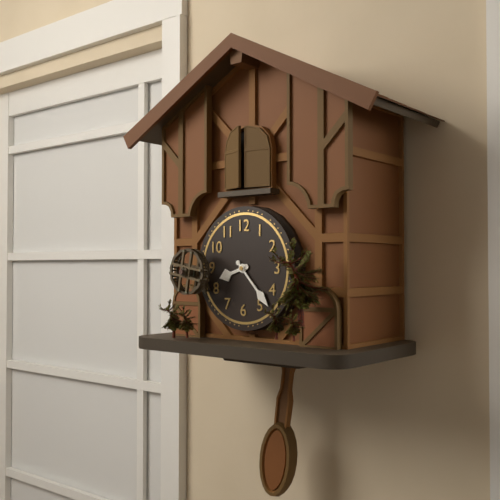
8 h 23 min
